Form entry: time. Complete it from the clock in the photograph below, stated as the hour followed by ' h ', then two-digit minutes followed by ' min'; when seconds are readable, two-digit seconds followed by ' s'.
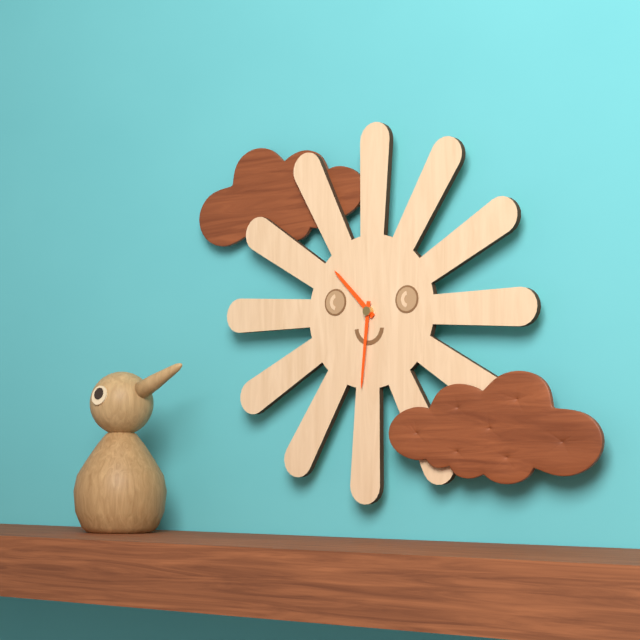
10 h 31 min
